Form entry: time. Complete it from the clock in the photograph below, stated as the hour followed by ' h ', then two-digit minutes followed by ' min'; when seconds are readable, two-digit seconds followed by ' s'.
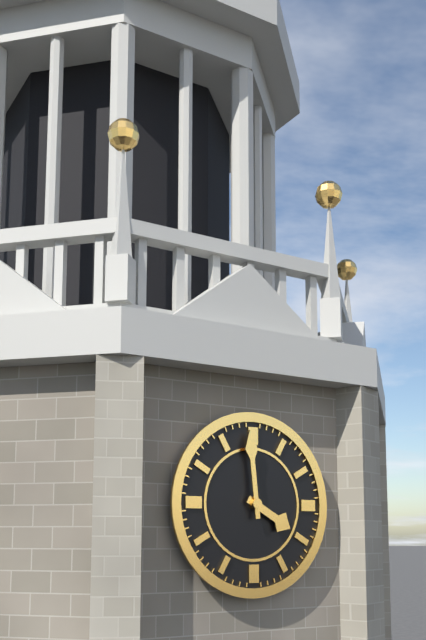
3 h 59 min
